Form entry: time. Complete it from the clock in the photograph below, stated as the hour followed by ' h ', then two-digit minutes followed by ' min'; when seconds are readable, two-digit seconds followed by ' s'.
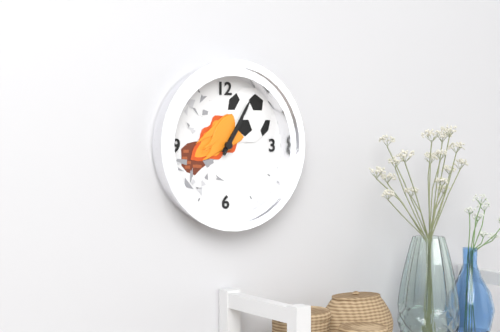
1 h 05 min
